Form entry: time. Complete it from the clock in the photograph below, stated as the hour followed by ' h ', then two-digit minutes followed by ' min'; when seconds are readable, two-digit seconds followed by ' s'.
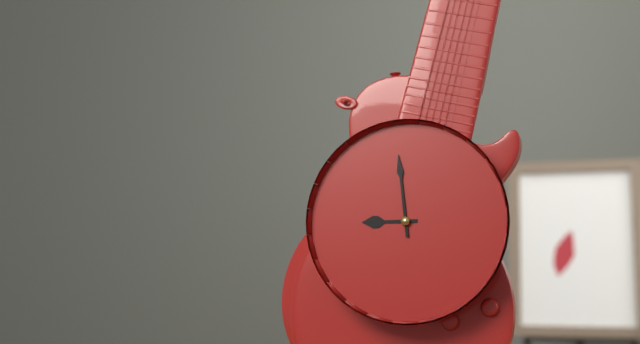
8 h 59 min
